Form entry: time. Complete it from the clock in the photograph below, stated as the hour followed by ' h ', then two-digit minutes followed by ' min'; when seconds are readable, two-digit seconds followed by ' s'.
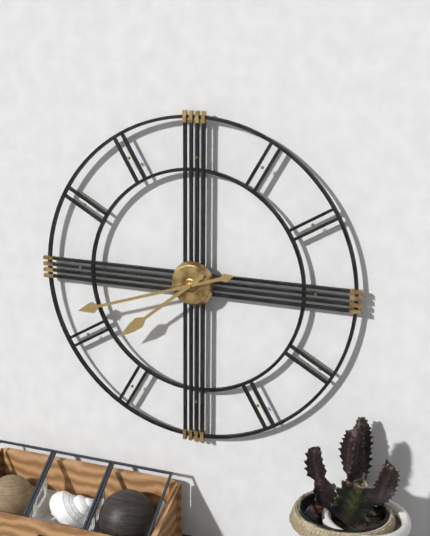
7 h 42 min
